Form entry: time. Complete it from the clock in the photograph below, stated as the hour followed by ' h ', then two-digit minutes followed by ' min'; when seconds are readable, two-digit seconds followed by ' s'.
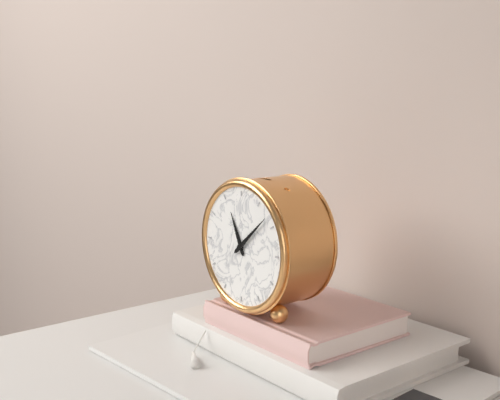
11 h 08 min
